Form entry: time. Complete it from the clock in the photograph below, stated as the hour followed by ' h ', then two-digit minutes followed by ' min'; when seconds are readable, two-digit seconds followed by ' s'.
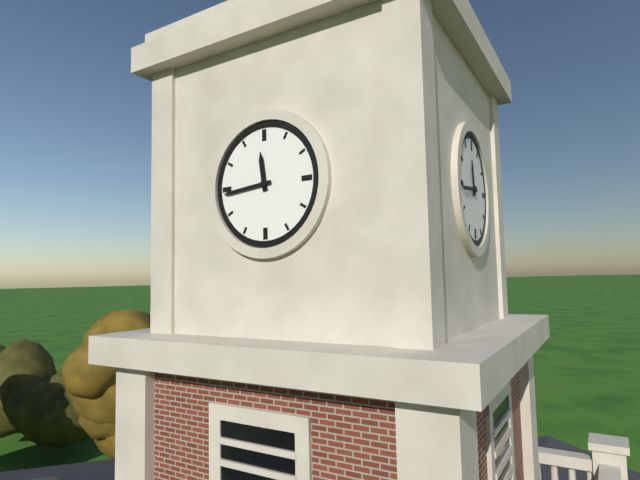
11 h 44 min
